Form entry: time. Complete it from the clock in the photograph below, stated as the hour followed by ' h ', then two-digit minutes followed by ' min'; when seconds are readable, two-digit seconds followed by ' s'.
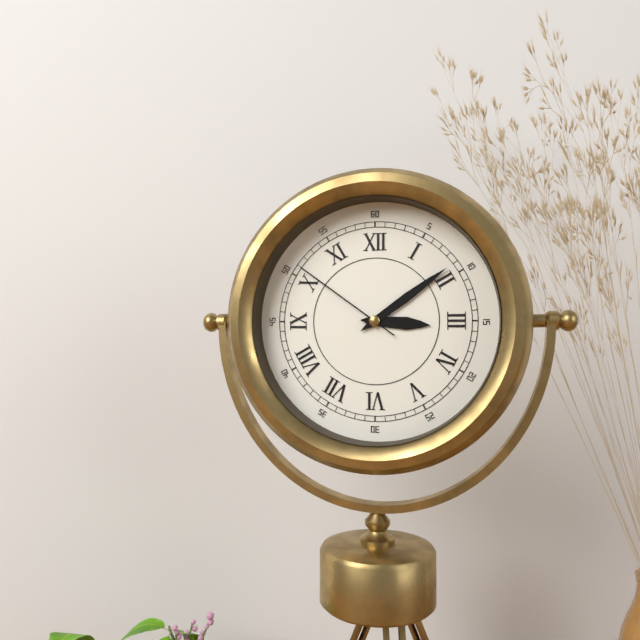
3 h 09 min 51 s
